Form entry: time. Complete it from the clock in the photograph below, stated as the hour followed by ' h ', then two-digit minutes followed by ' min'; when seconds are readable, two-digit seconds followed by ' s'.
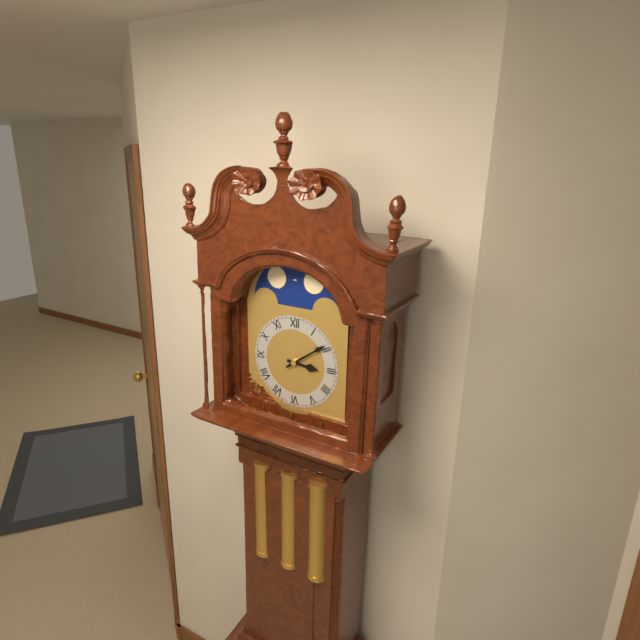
3 h 09 min
